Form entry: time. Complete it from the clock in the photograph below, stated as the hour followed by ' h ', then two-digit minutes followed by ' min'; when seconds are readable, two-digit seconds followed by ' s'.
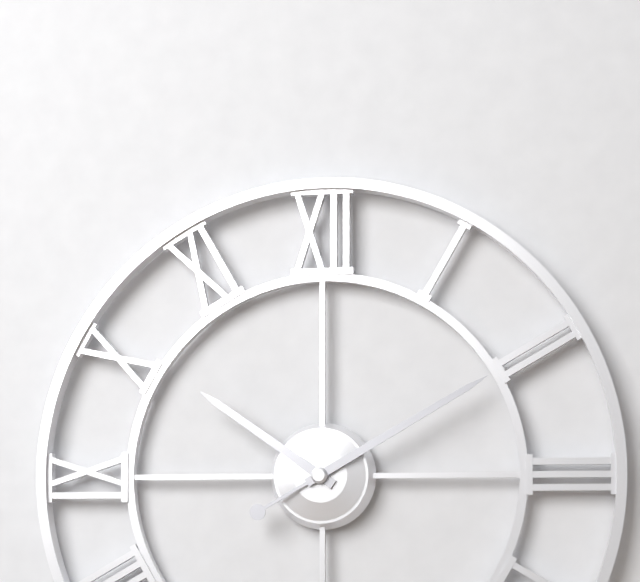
10 h 10 min
